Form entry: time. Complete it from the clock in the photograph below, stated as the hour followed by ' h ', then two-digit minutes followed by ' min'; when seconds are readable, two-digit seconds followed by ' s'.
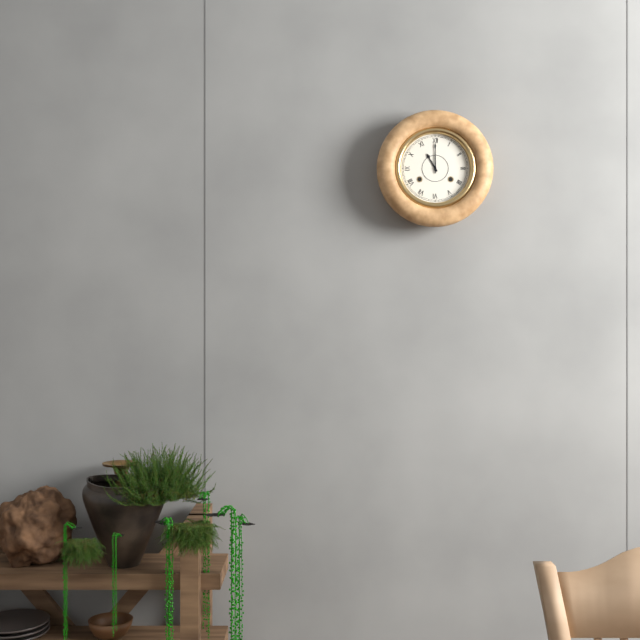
11 h 00 min
